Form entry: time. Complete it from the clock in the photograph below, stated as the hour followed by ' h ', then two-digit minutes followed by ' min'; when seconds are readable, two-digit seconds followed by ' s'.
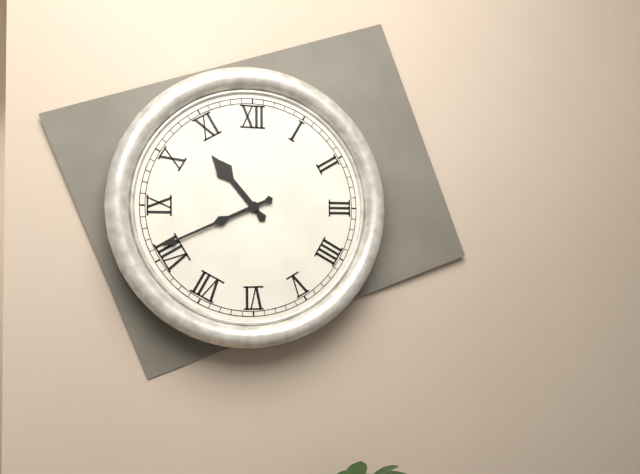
10 h 41 min
